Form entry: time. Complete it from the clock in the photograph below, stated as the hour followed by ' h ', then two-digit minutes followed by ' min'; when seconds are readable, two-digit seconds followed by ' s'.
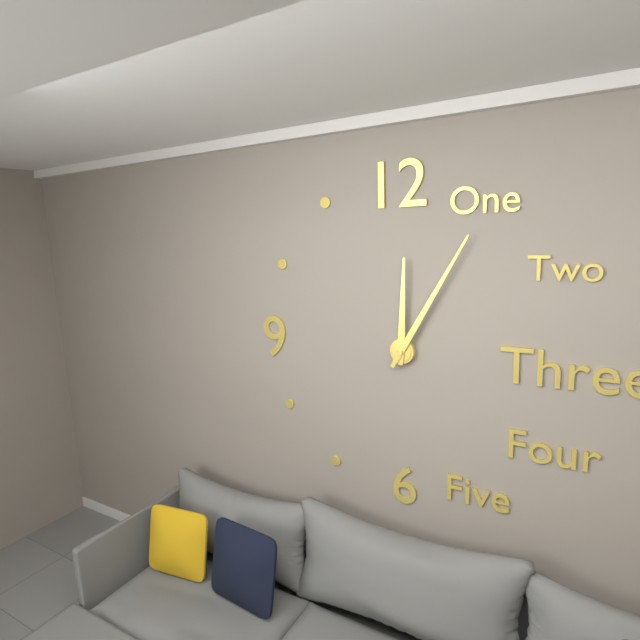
12 h 05 min
